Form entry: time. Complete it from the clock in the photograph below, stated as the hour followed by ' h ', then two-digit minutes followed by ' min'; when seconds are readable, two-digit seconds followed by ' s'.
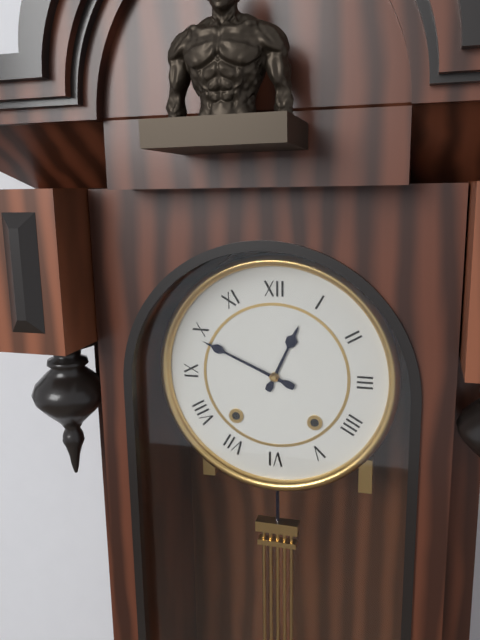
12 h 49 min
